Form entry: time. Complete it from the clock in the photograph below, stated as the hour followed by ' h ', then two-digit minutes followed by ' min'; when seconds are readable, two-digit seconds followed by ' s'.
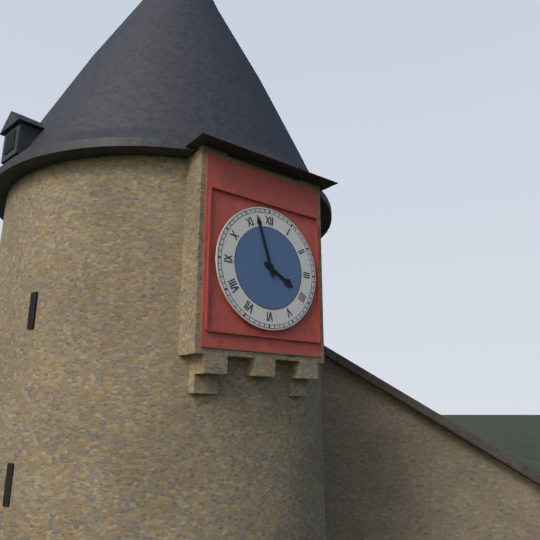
3 h 57 min
